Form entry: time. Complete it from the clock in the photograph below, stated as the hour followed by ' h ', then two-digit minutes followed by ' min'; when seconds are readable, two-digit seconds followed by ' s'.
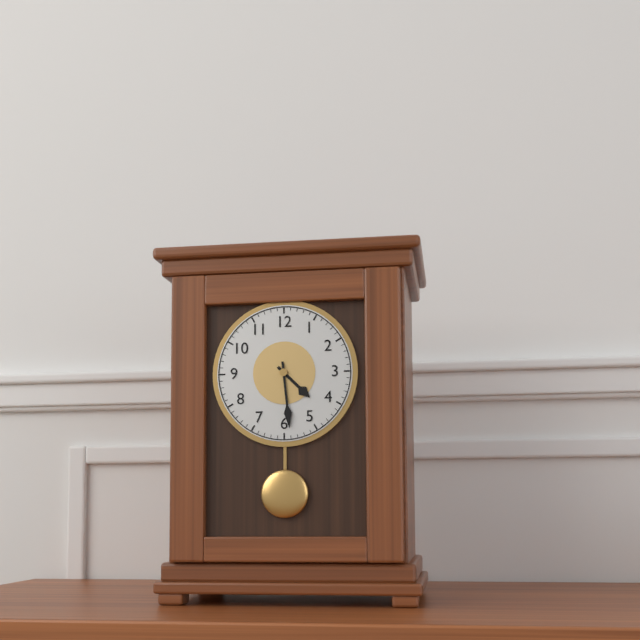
4 h 29 min
